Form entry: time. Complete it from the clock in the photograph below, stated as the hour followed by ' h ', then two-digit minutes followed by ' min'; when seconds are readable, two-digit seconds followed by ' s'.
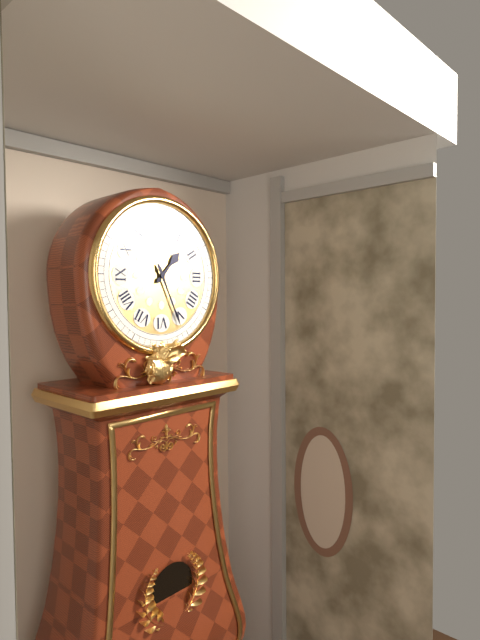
1 h 26 min
